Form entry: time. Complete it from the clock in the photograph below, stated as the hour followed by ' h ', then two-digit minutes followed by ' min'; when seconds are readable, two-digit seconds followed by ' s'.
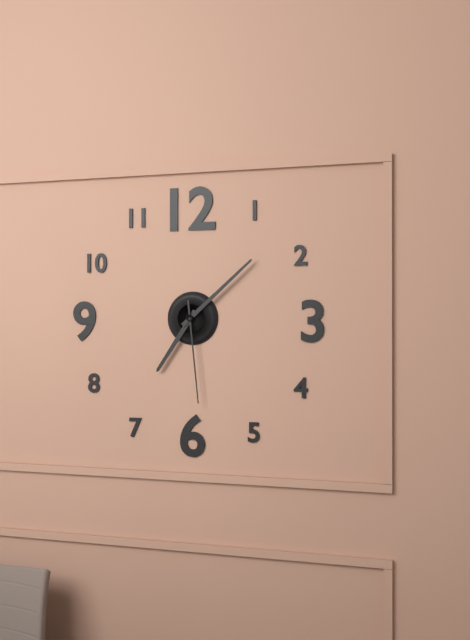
7 h 08 min 29 s
